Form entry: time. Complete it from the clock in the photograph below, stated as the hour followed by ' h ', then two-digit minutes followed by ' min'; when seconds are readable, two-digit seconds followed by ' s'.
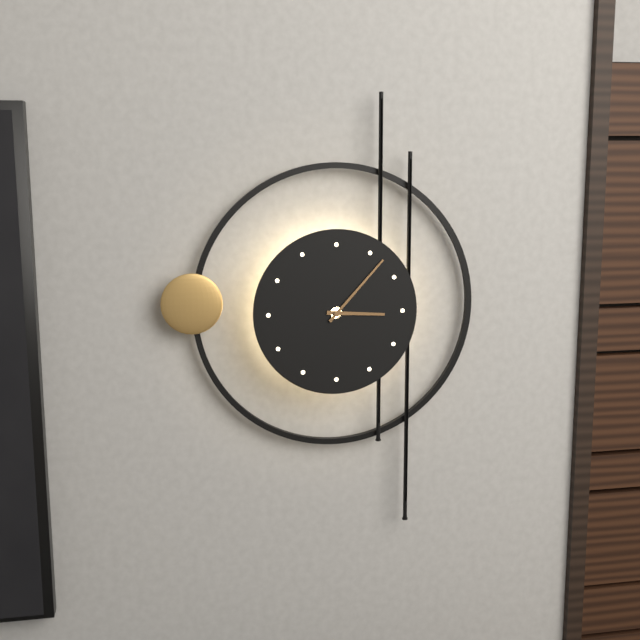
3 h 07 min
